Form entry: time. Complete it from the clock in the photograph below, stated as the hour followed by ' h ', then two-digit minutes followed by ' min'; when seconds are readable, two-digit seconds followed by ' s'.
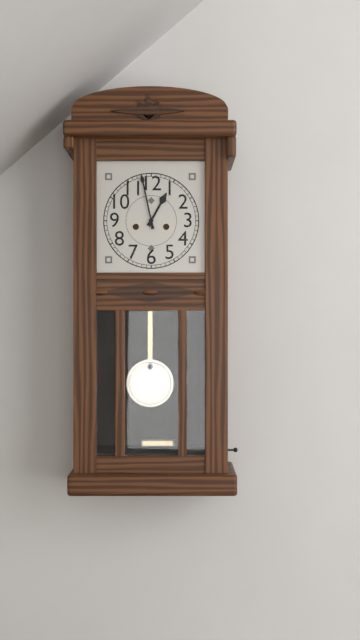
12 h 58 min
